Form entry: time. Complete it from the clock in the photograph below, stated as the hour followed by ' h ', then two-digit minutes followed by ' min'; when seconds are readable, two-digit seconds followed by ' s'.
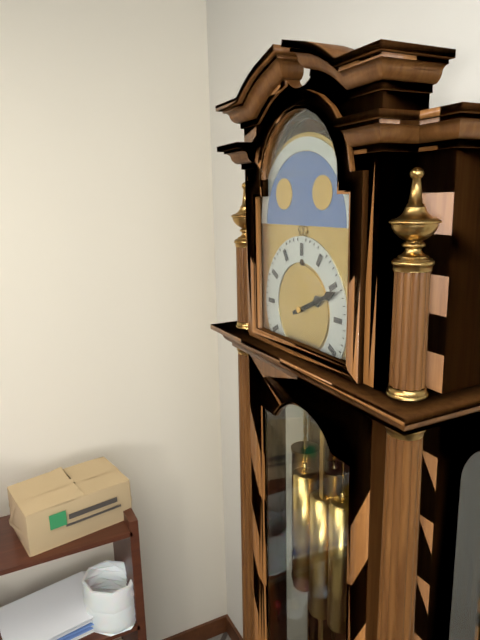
2 h 11 min
